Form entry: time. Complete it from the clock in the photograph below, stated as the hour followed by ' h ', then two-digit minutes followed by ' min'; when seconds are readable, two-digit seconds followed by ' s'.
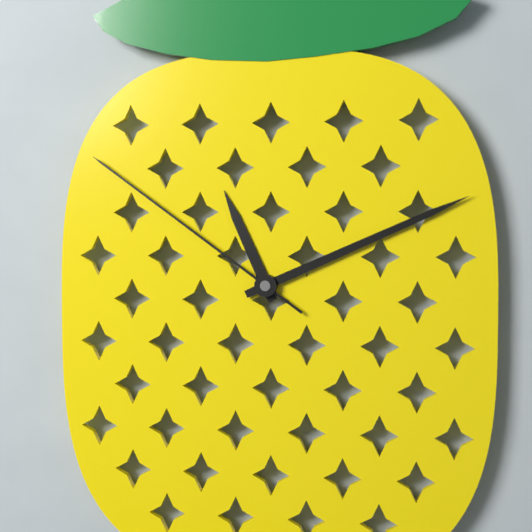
11 h 11 min 51 s
